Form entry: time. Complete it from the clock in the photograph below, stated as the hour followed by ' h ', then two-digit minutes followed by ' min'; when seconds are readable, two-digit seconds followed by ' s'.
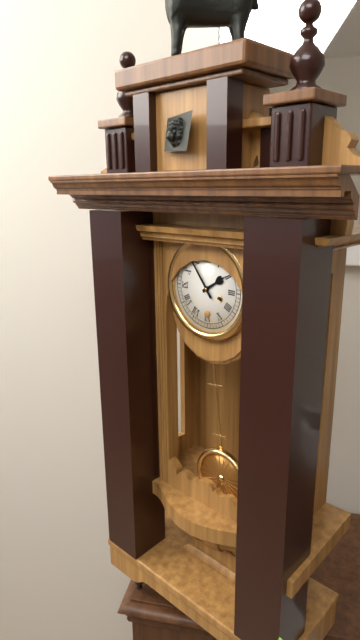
1 h 54 min
